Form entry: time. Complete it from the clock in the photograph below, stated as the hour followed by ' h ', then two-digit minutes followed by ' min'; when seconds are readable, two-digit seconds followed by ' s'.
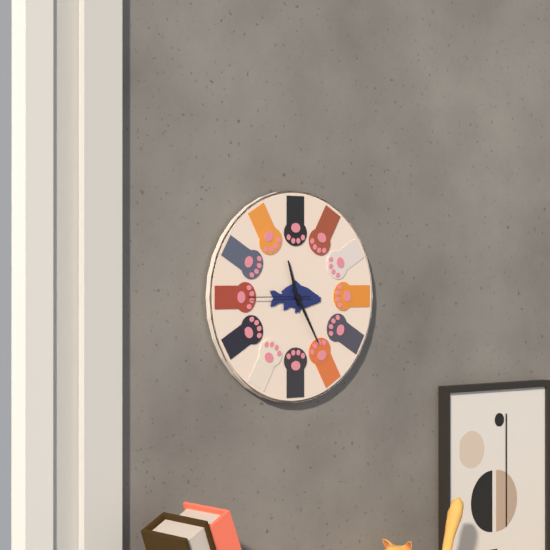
11 h 25 min 45 s
